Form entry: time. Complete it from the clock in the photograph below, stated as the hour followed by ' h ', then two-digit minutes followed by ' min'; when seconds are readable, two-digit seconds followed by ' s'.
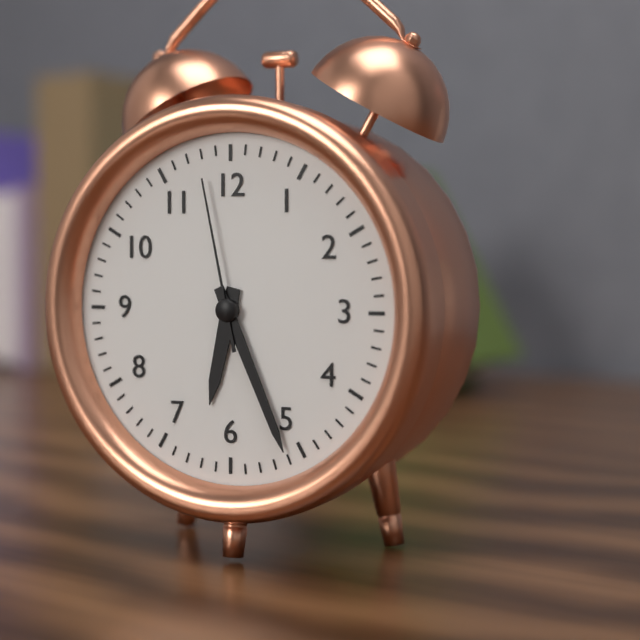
6 h 26 min 58 s
